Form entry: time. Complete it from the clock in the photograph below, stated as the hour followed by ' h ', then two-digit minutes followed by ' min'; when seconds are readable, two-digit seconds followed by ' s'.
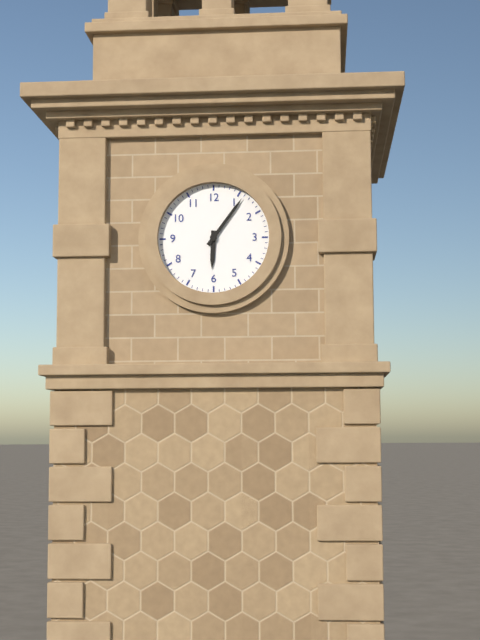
6 h 06 min
